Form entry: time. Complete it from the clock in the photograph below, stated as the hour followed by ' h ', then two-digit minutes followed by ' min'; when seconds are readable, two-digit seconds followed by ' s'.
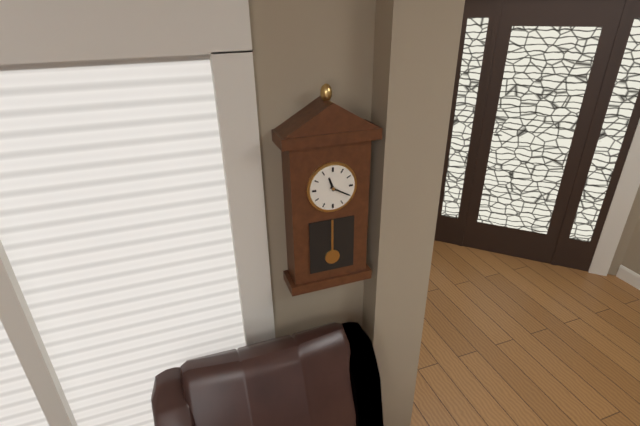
11 h 20 min
